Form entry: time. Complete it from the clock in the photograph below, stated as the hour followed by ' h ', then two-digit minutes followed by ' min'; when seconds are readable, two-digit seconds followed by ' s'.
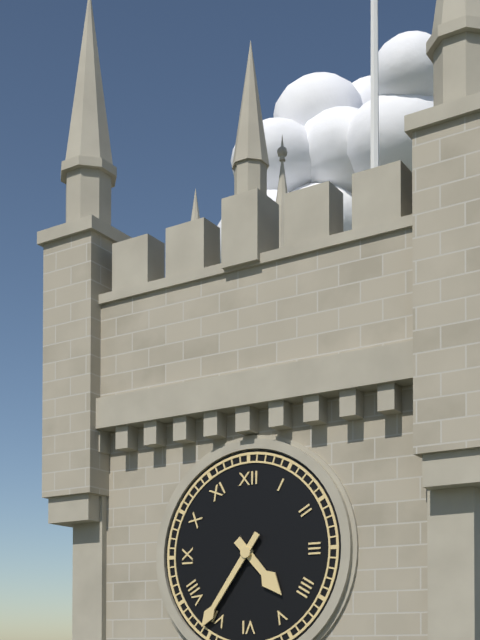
4 h 36 min
